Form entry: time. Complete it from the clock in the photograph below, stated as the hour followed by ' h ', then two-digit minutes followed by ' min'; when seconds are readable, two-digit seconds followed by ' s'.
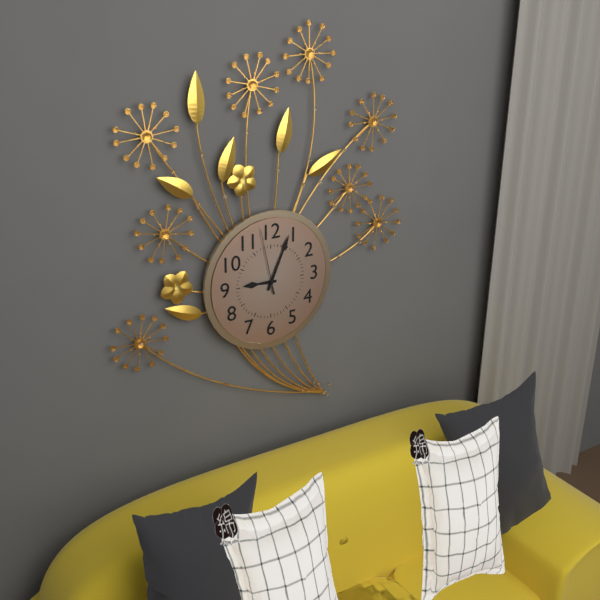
9 h 04 min 58 s
